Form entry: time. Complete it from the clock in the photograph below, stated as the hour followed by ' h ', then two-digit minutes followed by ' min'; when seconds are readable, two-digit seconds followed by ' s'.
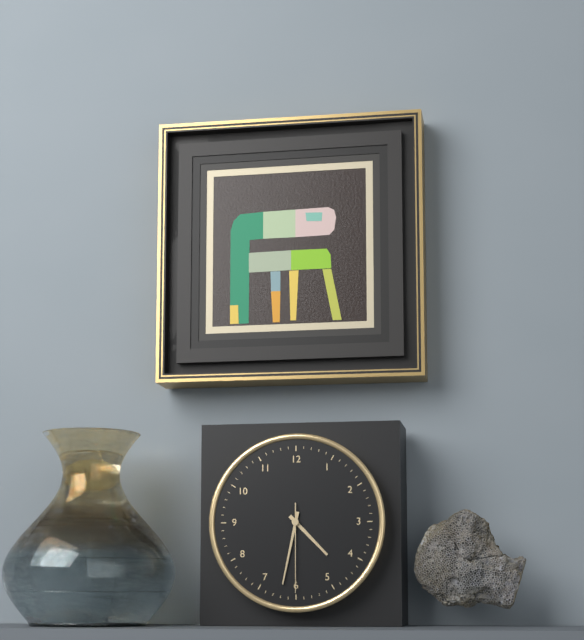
4 h 32 min 30 s
